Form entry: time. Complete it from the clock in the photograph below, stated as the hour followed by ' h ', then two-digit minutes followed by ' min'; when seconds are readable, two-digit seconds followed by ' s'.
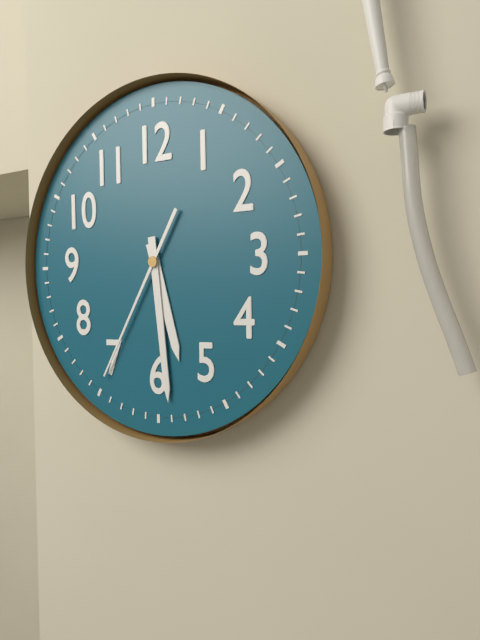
5 h 29 min 35 s
